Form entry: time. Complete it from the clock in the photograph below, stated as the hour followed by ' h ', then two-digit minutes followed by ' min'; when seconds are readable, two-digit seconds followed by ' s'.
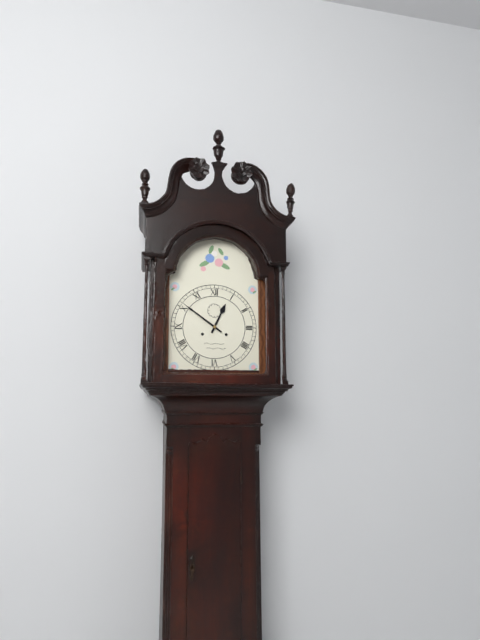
12 h 51 min
